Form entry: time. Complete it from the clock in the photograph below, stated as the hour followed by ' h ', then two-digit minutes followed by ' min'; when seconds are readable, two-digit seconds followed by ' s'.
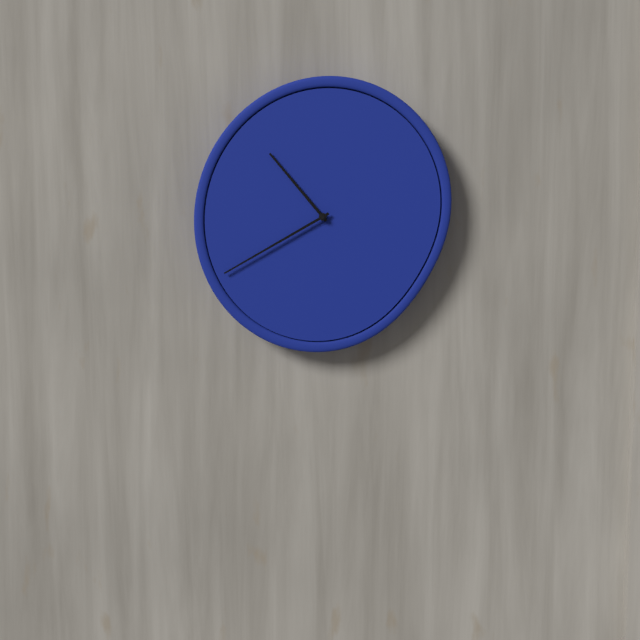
10 h 40 min
